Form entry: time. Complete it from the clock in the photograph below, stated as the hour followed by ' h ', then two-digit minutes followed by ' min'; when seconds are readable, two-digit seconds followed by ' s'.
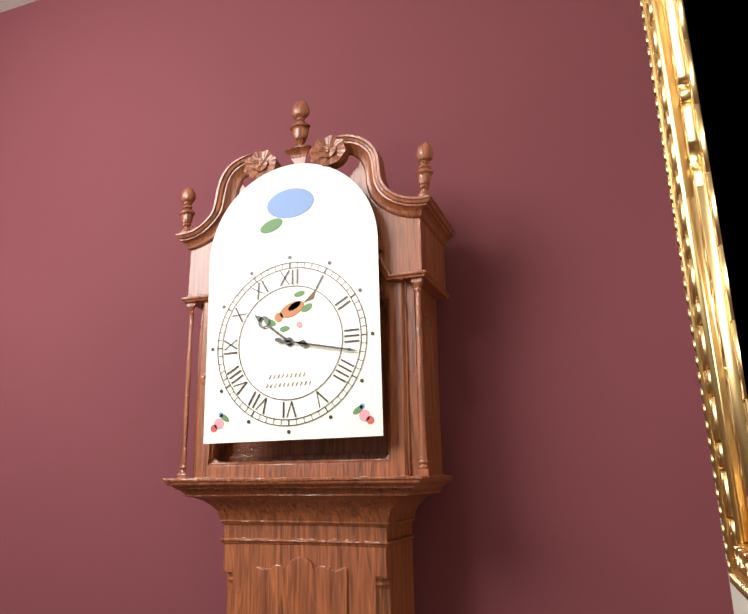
10 h 17 min
